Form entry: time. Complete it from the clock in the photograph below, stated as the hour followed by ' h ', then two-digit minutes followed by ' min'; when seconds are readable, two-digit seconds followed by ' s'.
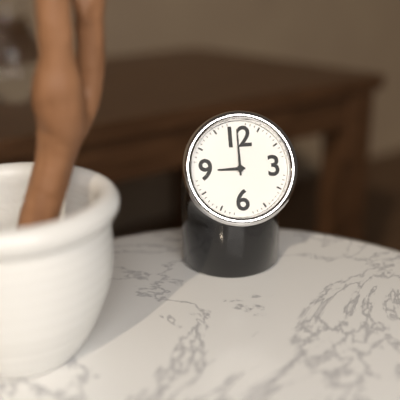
9 h 00 min
